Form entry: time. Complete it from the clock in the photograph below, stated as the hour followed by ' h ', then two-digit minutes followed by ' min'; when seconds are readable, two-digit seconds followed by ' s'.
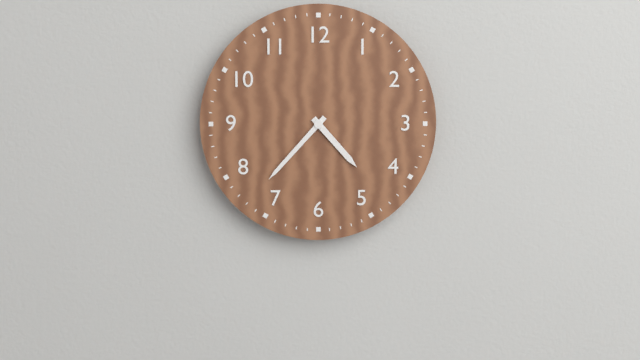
4 h 37 min
